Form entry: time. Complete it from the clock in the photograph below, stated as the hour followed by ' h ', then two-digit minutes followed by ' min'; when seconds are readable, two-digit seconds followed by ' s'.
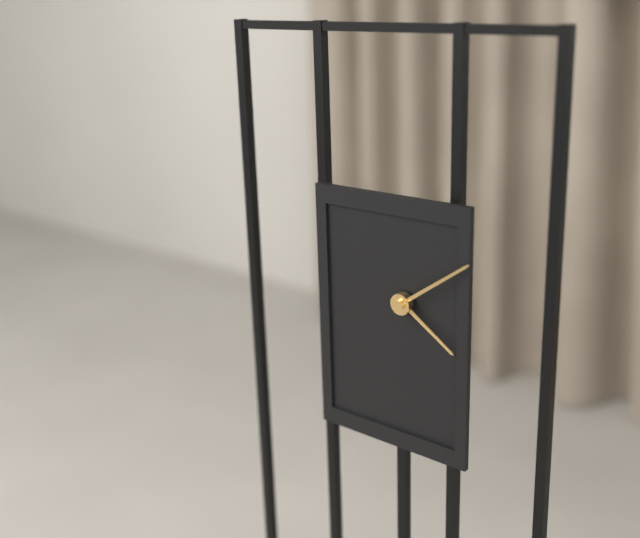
4 h 09 min
